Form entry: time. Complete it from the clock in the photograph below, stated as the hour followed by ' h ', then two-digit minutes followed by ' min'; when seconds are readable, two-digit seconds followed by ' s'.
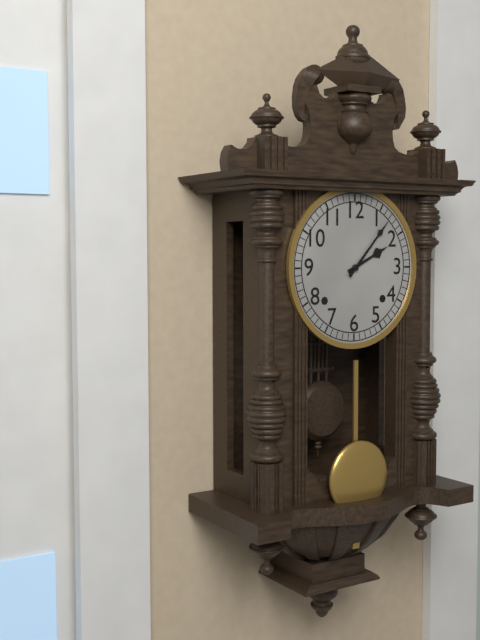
2 h 07 min
